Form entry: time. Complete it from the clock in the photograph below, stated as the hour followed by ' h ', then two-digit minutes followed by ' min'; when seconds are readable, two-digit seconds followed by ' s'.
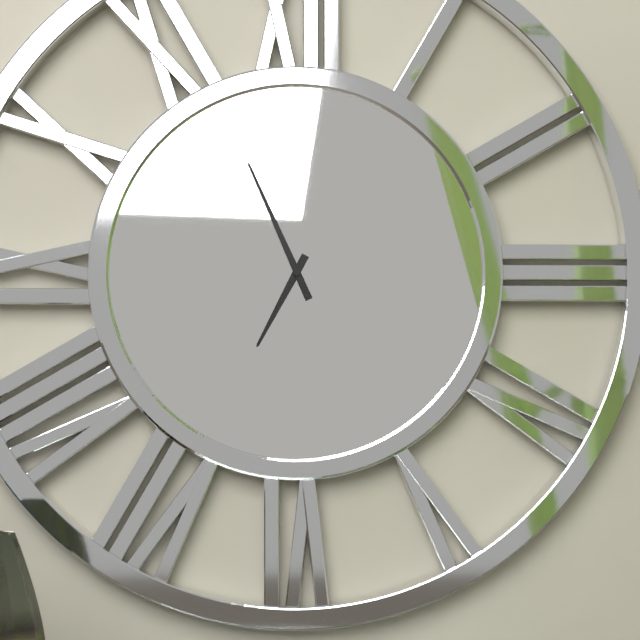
6 h 56 min
